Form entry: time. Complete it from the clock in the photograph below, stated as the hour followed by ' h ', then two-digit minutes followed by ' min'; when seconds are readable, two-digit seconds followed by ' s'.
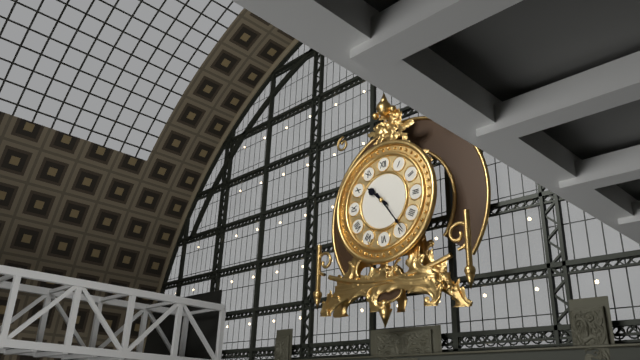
10 h 24 min
